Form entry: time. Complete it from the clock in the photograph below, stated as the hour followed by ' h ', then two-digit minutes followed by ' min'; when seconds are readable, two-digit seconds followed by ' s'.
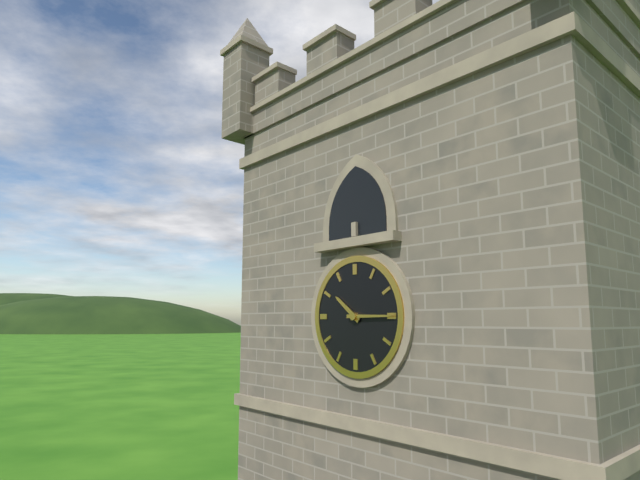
10 h 15 min
